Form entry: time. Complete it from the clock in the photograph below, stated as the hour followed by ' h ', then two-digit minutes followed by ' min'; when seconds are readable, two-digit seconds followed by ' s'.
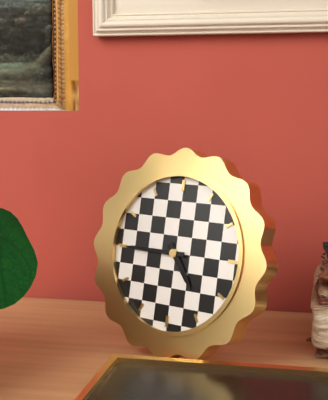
4 h 45 min
